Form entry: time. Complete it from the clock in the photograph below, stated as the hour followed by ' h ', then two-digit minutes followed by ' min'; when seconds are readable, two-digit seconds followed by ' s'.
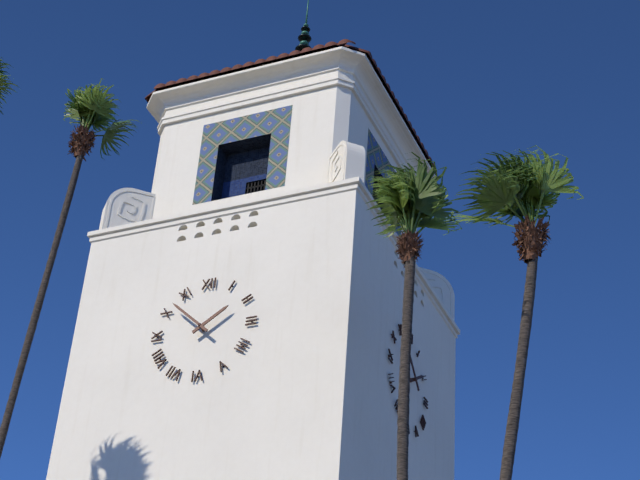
1 h 52 min
